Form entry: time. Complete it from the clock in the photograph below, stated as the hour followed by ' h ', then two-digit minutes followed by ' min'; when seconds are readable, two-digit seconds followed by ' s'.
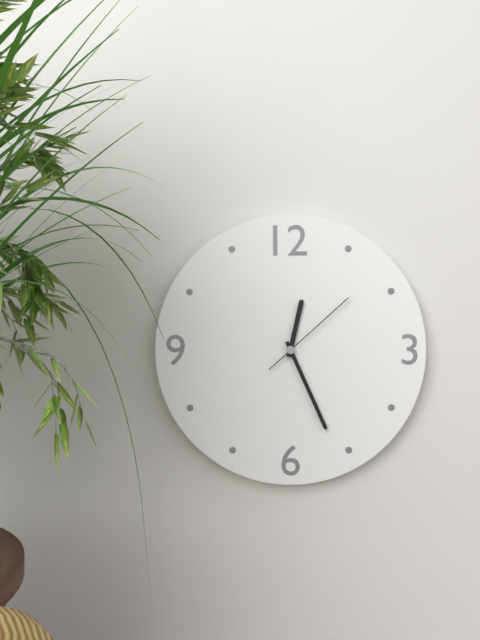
12 h 26 min 08 s
